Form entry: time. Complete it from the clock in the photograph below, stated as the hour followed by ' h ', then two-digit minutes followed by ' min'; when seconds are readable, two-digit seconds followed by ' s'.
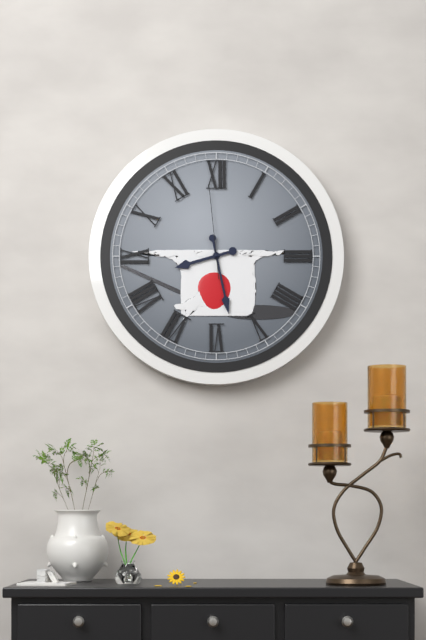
8 h 28 min 59 s
